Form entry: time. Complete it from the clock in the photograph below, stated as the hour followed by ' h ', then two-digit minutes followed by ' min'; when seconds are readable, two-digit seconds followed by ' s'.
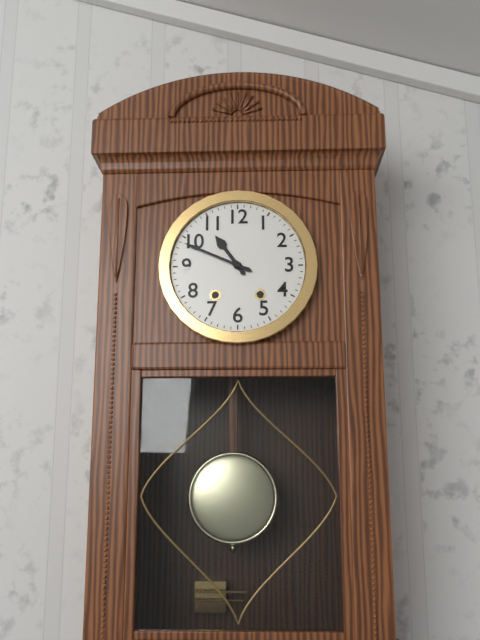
10 h 49 min
